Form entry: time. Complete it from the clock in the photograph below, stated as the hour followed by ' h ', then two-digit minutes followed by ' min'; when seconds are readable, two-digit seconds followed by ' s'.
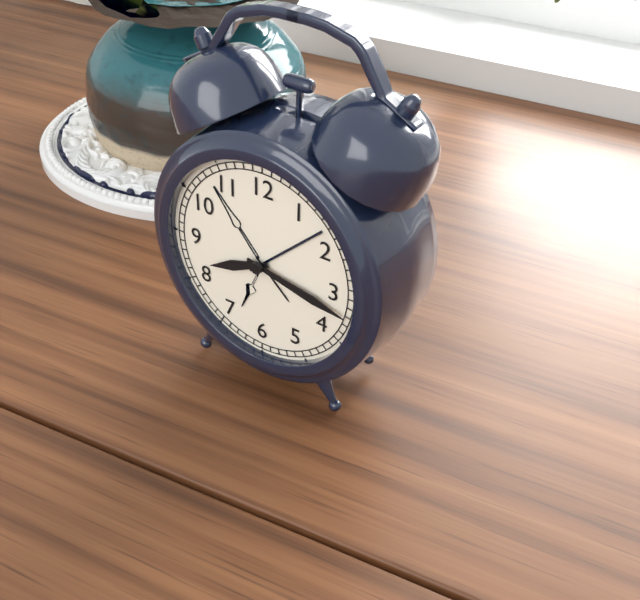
8 h 17 min
